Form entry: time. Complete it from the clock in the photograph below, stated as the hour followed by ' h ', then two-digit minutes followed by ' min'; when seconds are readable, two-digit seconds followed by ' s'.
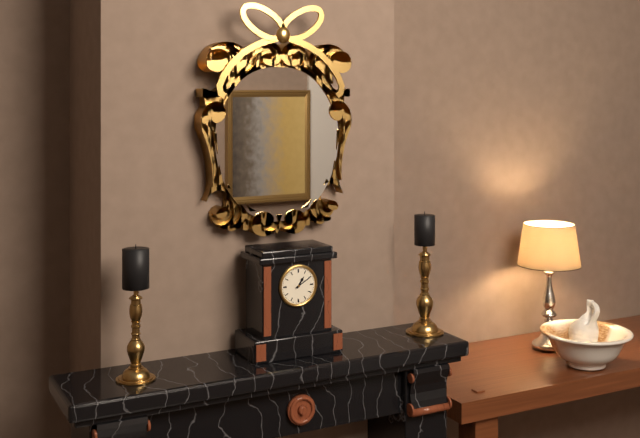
1 h 10 min
